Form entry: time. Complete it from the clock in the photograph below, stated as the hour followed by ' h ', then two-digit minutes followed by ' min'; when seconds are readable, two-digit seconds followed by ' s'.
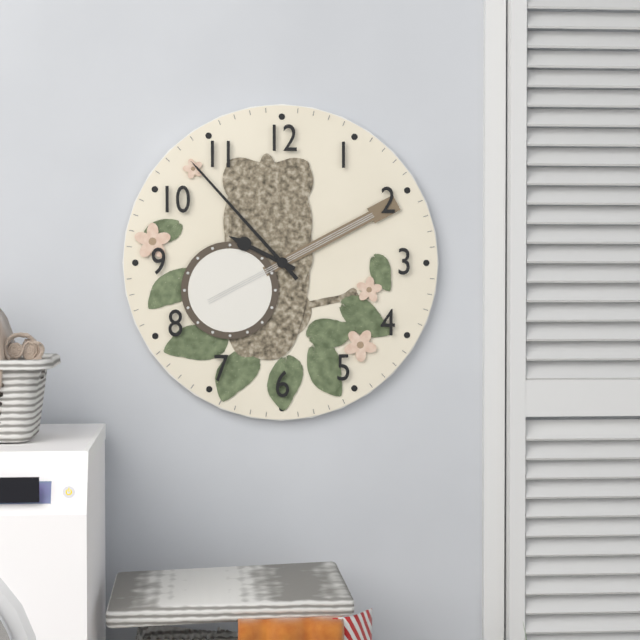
9 h 53 min
